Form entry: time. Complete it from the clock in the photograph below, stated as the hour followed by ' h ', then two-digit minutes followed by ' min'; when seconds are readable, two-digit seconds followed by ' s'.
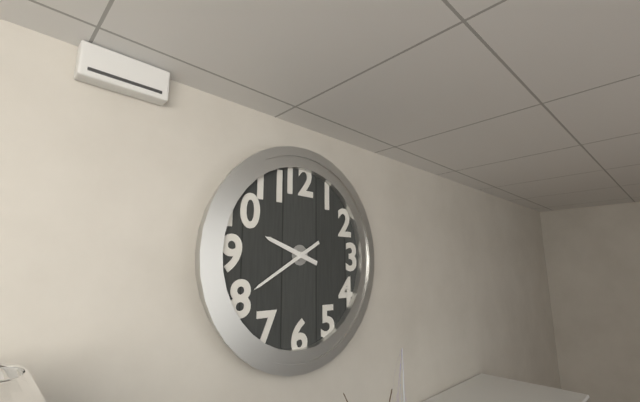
9 h 40 min
